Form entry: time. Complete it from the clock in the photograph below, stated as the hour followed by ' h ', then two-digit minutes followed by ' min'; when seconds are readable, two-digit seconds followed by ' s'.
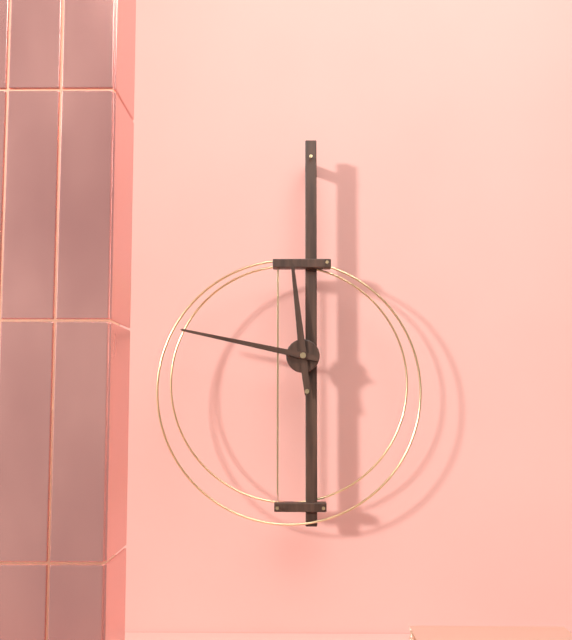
11 h 47 min
